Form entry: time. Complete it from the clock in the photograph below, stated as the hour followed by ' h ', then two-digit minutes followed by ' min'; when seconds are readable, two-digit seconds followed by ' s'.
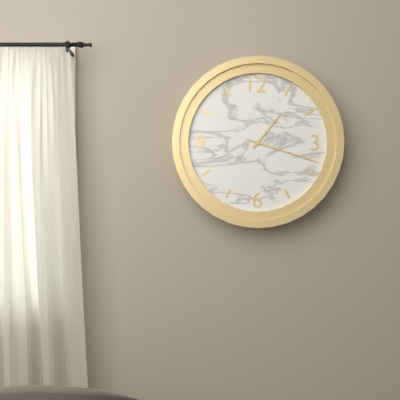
1 h 18 min
